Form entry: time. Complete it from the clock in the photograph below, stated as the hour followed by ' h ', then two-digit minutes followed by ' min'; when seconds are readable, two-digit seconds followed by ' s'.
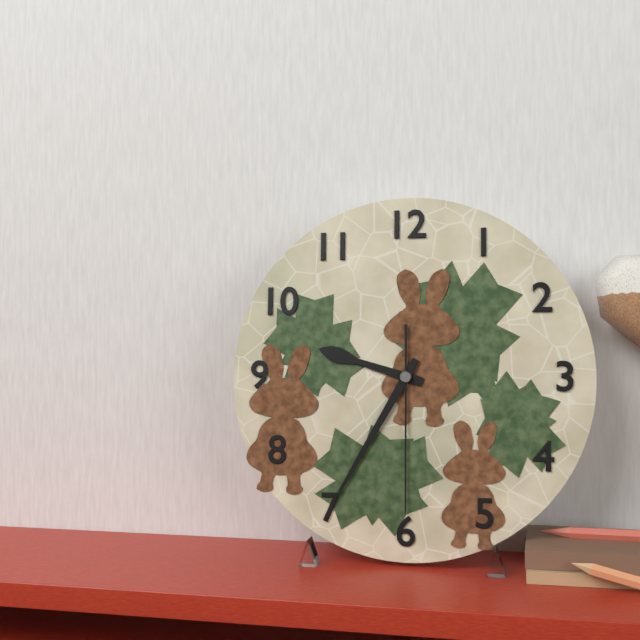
9 h 35 min 30 s
